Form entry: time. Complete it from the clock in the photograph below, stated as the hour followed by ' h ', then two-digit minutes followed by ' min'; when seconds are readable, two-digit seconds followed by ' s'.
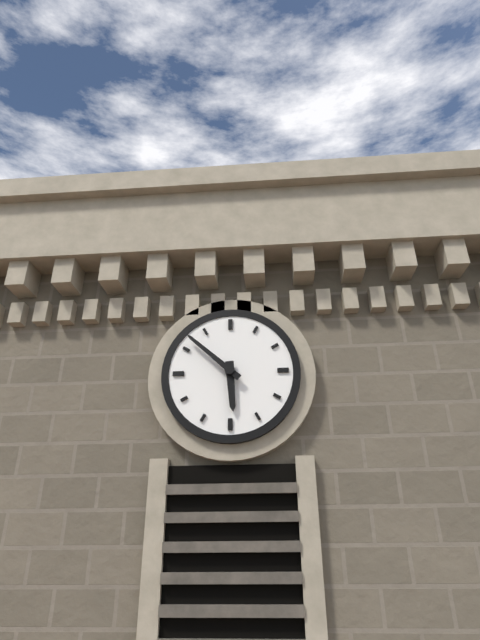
5 h 52 min
